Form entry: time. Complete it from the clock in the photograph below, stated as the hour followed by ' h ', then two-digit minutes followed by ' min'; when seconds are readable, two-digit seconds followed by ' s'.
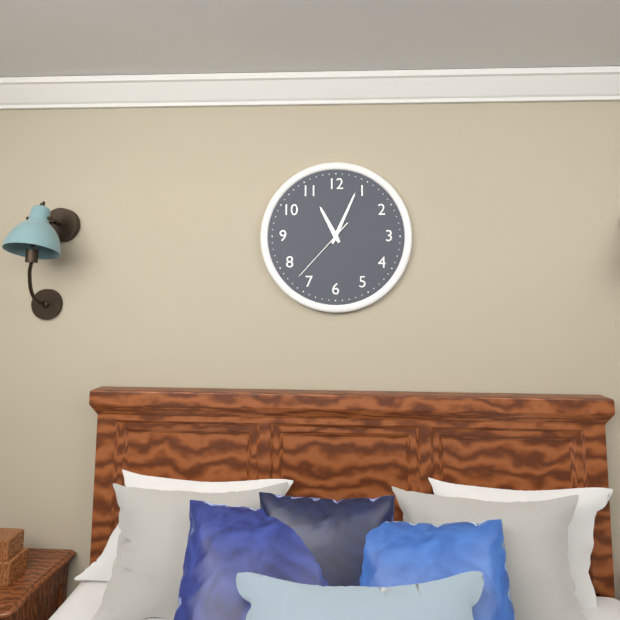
11 h 04 min 37 s
